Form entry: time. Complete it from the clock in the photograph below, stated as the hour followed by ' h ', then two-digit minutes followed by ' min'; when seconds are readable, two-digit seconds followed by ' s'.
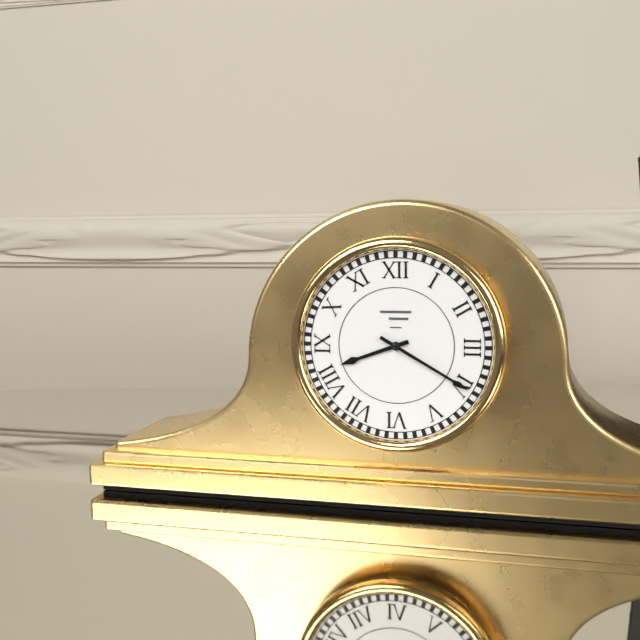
8 h 20 min
